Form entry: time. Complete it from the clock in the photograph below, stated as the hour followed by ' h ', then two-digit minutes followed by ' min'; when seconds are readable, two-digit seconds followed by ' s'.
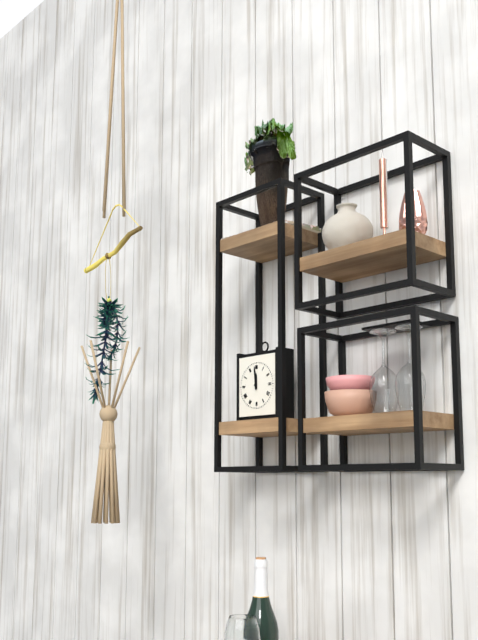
11 h 59 min
